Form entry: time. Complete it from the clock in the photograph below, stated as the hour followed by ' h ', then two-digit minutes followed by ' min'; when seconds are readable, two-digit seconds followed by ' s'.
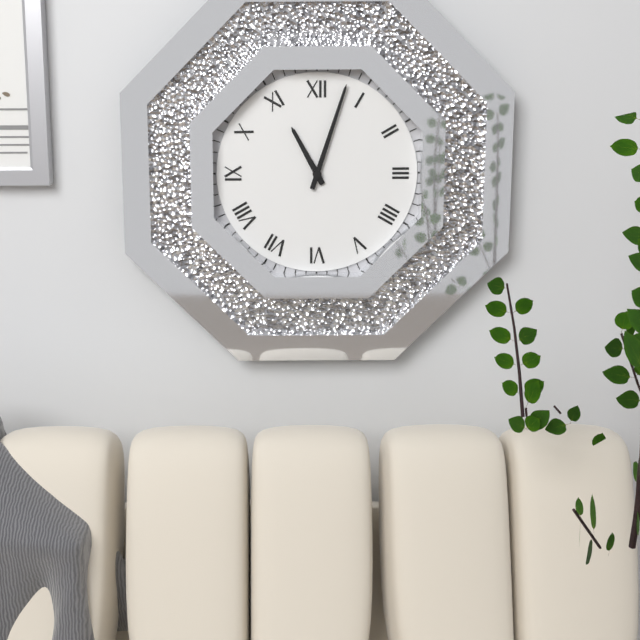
11 h 03 min
